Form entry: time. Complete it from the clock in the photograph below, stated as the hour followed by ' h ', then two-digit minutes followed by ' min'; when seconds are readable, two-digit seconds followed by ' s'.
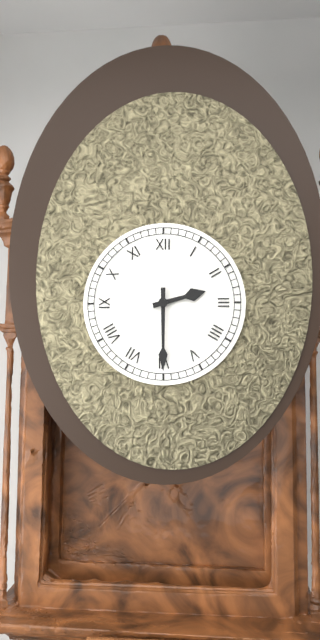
2 h 30 min
